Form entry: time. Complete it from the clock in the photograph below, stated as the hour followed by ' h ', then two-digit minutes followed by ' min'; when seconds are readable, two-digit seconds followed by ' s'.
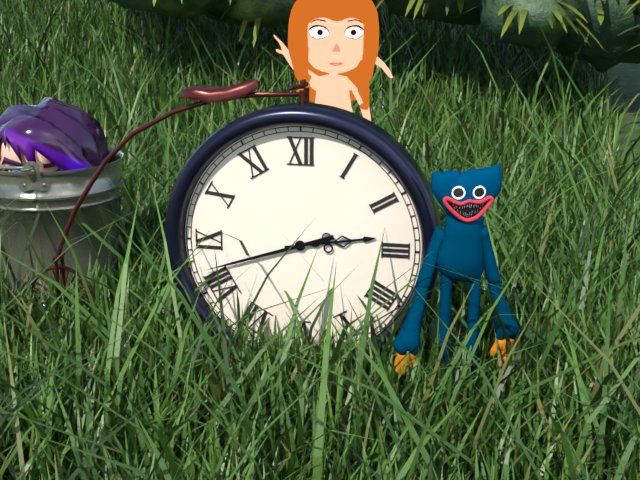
2 h 42 min
